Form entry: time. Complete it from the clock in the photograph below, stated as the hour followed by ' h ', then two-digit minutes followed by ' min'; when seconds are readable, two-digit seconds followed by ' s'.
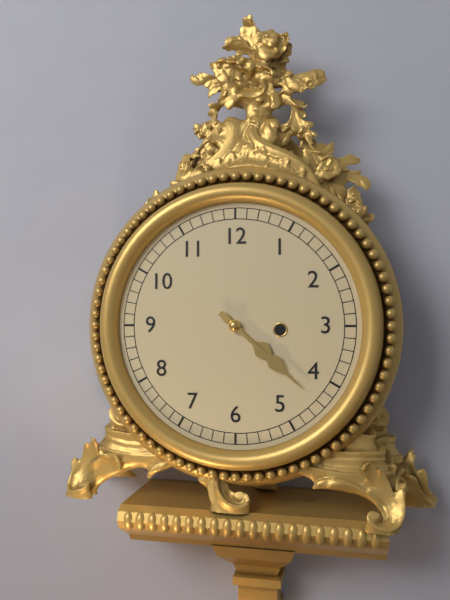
4 h 22 min
